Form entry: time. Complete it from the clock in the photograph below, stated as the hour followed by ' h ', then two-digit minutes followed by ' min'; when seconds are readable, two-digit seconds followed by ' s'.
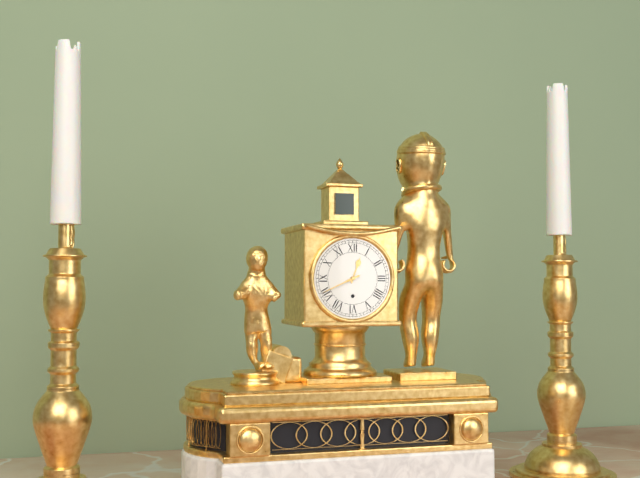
12 h 41 min
